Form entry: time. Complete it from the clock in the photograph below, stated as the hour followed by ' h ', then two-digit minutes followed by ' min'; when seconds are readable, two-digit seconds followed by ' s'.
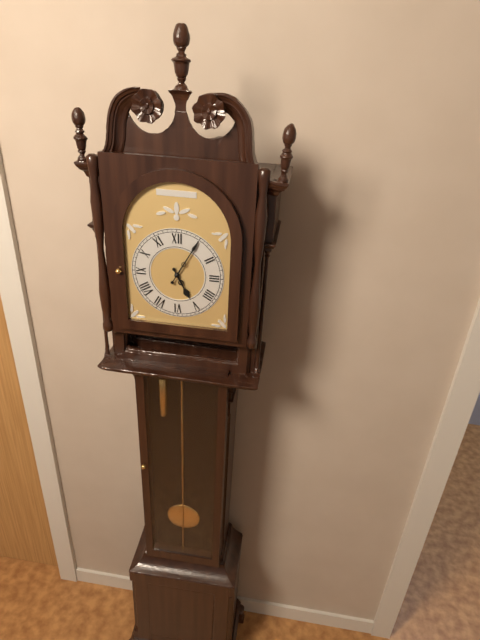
5 h 05 min
